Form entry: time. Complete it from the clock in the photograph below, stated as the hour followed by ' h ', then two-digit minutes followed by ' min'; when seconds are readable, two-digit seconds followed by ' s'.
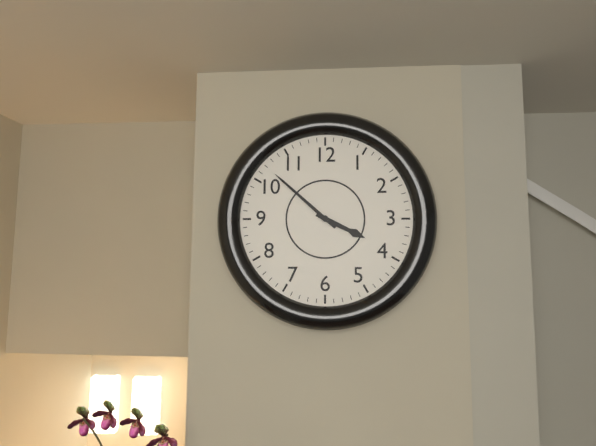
3 h 52 min
